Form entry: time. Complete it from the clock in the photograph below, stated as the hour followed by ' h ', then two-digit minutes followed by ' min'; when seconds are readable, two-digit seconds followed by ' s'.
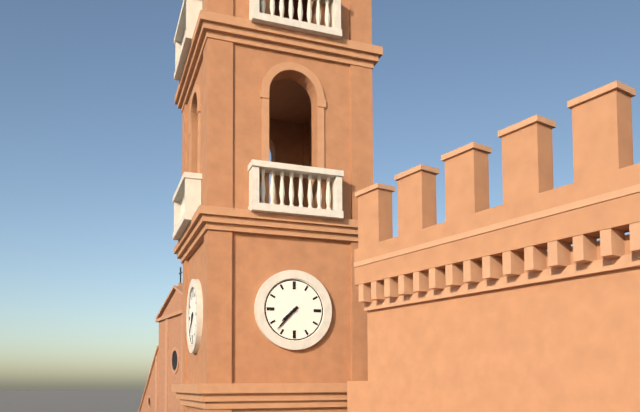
7 h 37 min
